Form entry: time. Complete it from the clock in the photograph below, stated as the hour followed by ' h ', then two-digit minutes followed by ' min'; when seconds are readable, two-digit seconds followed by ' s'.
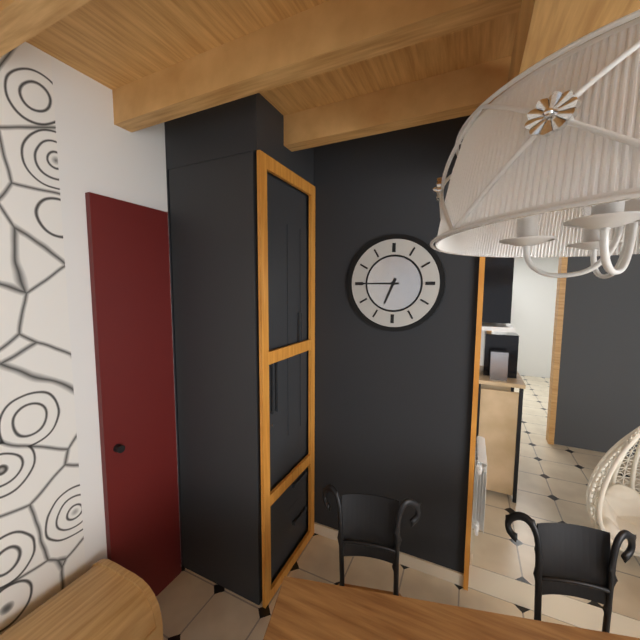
6 h 45 min
